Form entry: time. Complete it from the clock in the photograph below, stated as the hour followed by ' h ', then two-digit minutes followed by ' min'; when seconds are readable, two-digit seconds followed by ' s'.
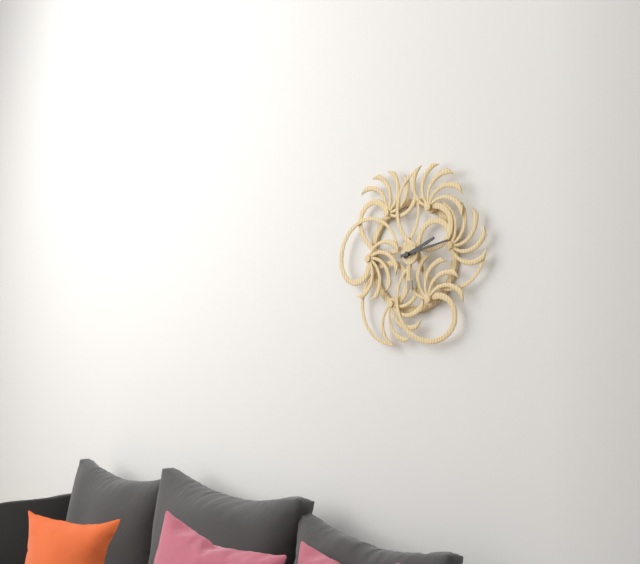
2 h 13 min
